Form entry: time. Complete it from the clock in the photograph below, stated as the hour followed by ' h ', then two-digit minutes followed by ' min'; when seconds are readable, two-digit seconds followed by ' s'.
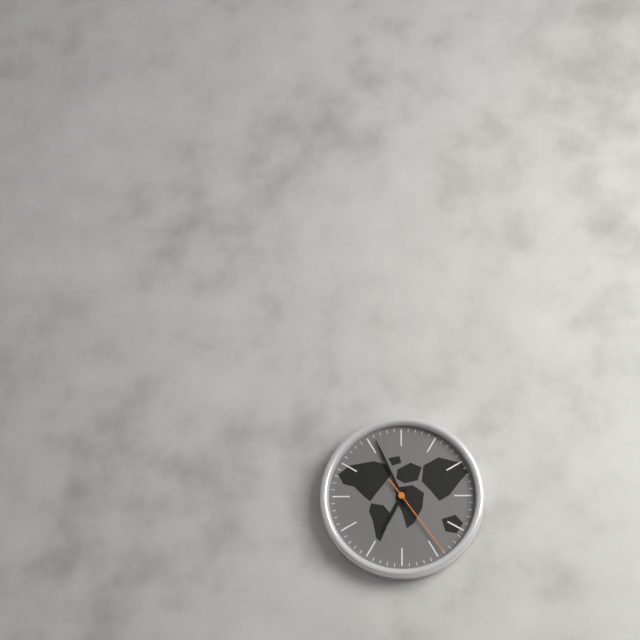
6 h 56 min 24 s
